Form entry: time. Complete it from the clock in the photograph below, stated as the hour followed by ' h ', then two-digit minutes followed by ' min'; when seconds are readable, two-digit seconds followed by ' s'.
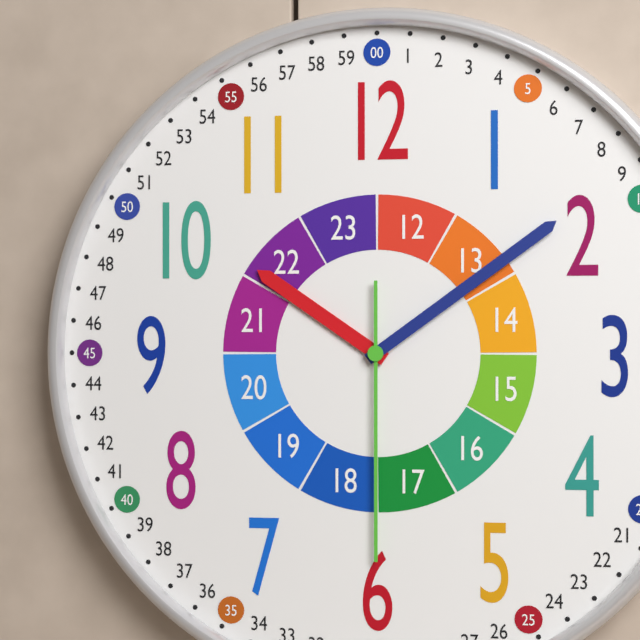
10 h 09 min 30 s
